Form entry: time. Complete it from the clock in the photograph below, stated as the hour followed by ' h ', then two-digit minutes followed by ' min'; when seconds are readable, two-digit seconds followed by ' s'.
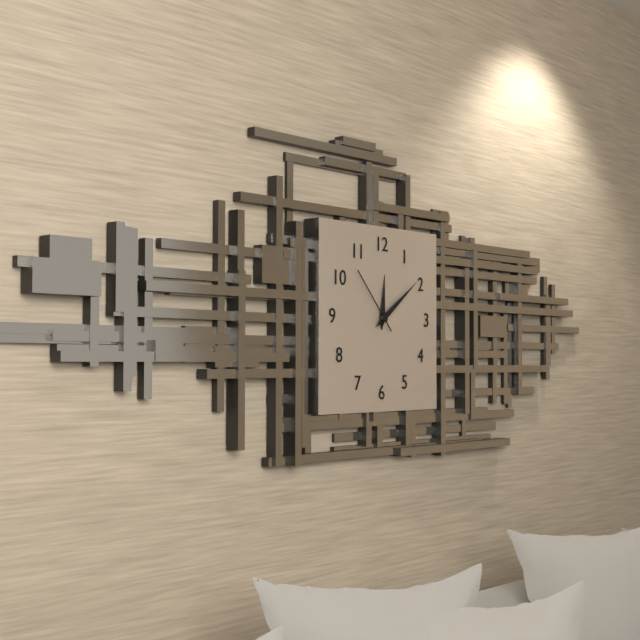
12 h 09 min 53 s
